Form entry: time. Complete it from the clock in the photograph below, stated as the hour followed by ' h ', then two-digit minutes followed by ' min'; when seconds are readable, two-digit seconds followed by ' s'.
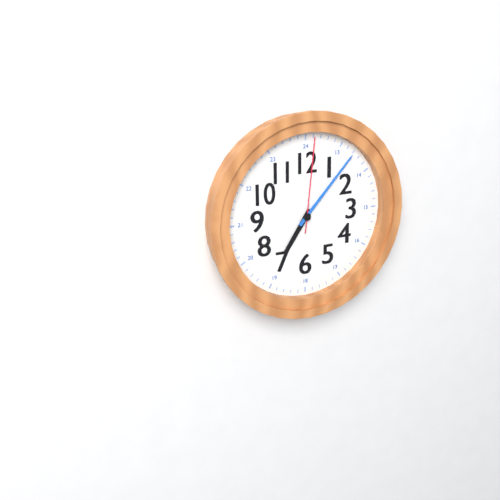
7 h 07 min 01 s
